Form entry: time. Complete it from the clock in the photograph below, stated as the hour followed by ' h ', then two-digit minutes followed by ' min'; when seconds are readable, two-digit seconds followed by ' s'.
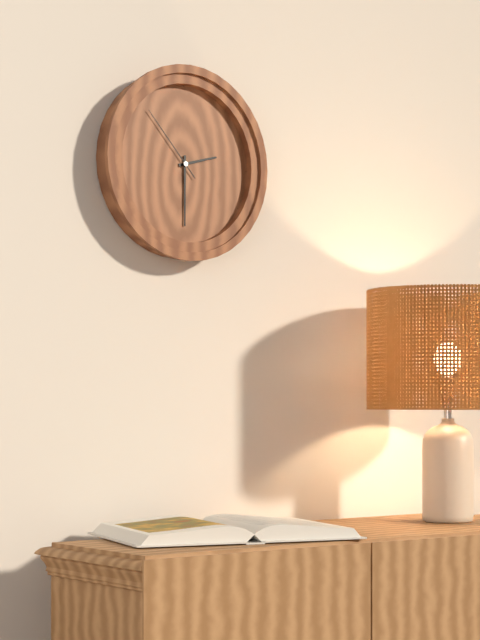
2 h 30 min 53 s
